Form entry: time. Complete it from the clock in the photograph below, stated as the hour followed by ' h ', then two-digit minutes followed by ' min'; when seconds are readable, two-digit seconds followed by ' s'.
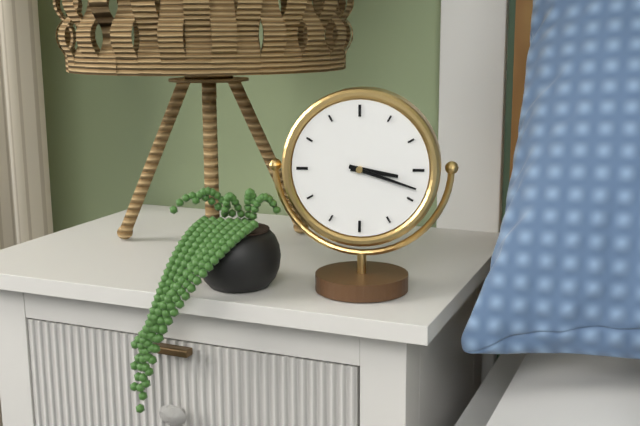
3 h 18 min
